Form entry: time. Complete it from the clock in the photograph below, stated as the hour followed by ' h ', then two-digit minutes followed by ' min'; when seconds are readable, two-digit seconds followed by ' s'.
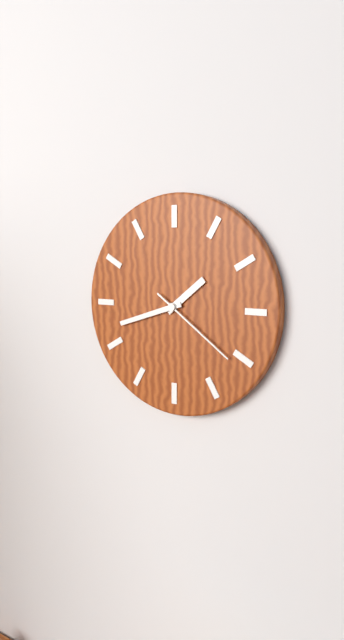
1 h 42 min 21 s
